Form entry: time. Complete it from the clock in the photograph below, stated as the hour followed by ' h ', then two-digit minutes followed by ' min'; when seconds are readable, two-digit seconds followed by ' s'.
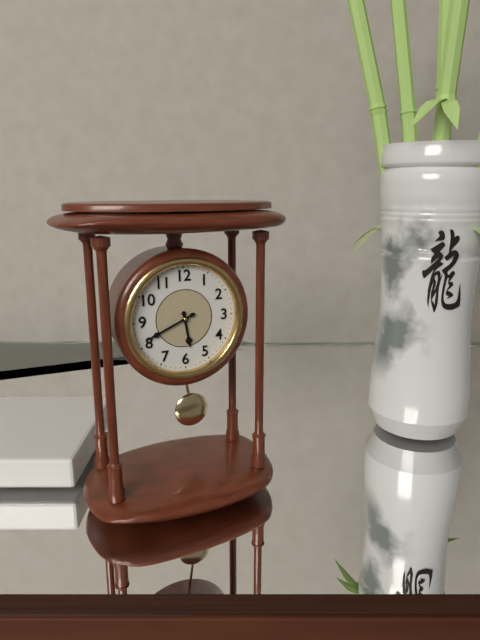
5 h 41 min
